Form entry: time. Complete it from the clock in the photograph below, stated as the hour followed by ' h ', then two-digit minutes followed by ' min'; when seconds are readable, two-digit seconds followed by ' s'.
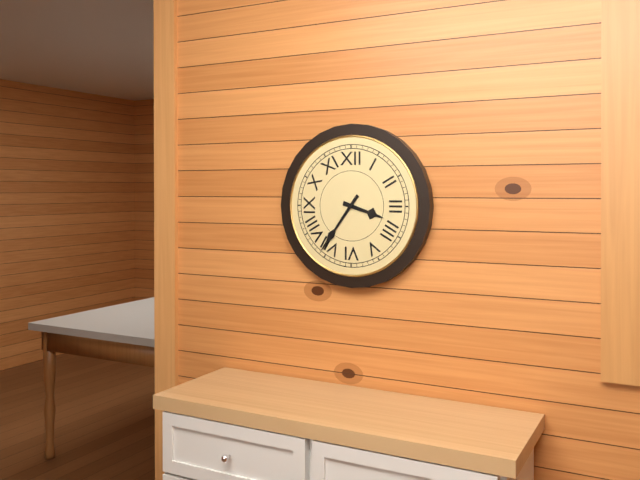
3 h 36 min
